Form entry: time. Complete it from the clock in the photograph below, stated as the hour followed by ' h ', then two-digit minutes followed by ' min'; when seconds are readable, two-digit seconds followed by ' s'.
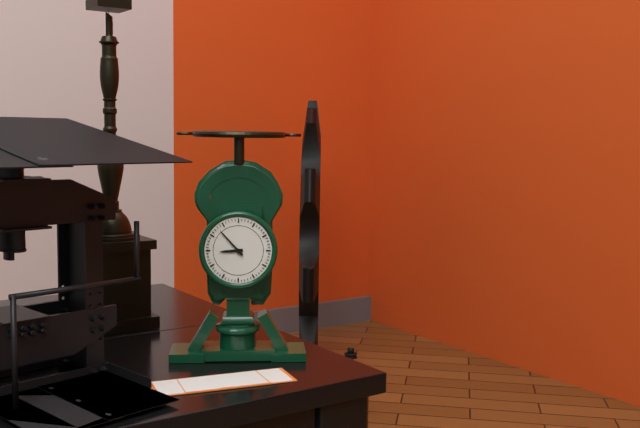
8 h 53 min
